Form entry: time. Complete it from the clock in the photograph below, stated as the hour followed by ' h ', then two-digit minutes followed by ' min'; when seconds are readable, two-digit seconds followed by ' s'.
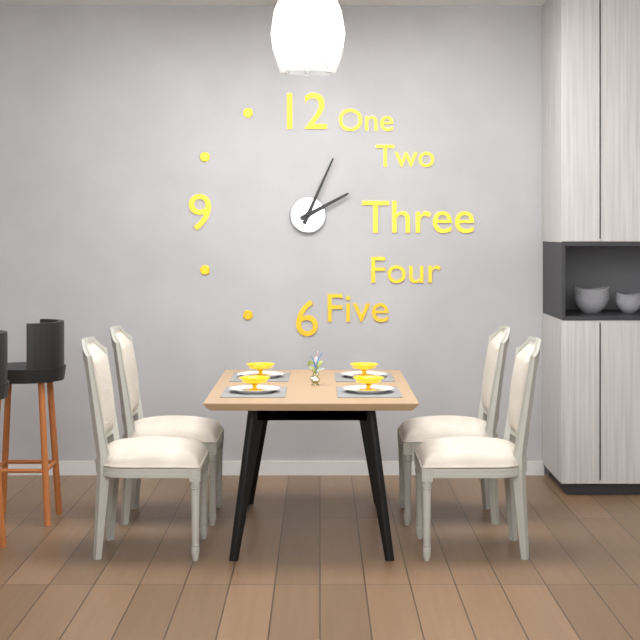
2 h 04 min
